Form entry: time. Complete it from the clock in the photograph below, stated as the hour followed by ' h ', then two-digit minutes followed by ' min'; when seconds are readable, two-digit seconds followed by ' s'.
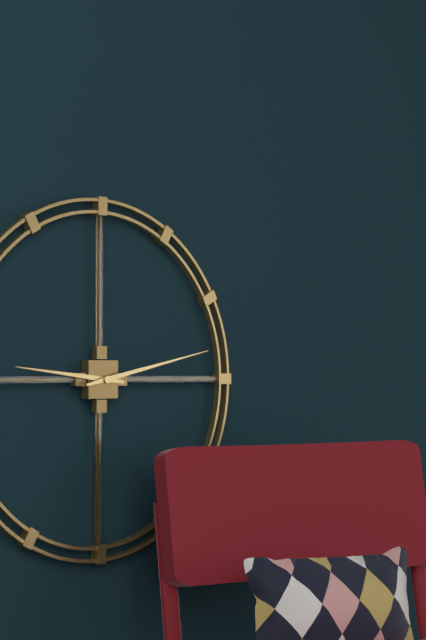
9 h 13 min
